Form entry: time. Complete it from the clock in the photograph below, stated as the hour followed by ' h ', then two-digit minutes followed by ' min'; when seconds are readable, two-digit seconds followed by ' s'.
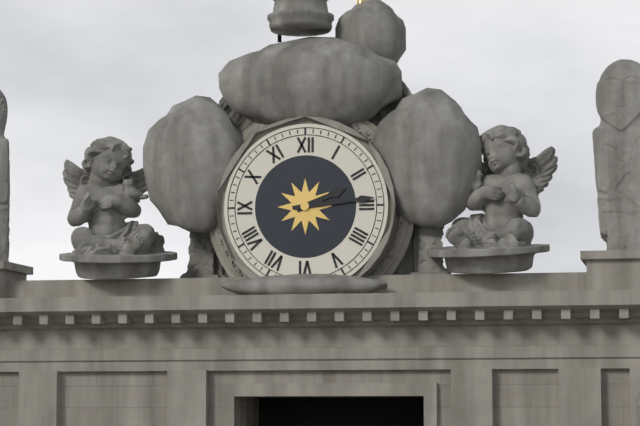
2 h 14 min
